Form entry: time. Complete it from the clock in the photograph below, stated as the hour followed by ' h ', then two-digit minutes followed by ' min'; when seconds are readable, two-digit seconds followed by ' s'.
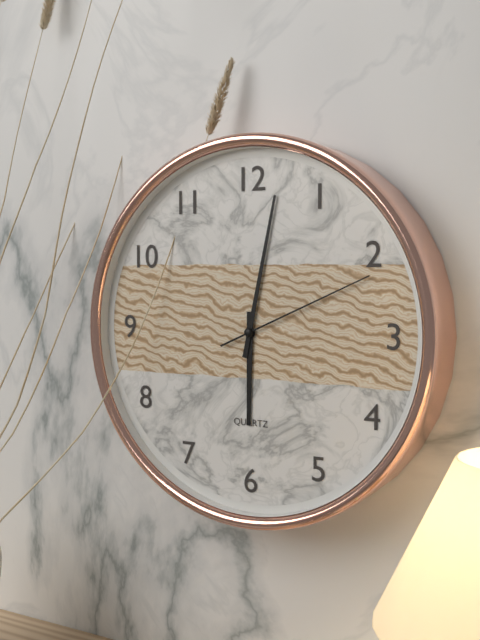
6 h 02 min 11 s
